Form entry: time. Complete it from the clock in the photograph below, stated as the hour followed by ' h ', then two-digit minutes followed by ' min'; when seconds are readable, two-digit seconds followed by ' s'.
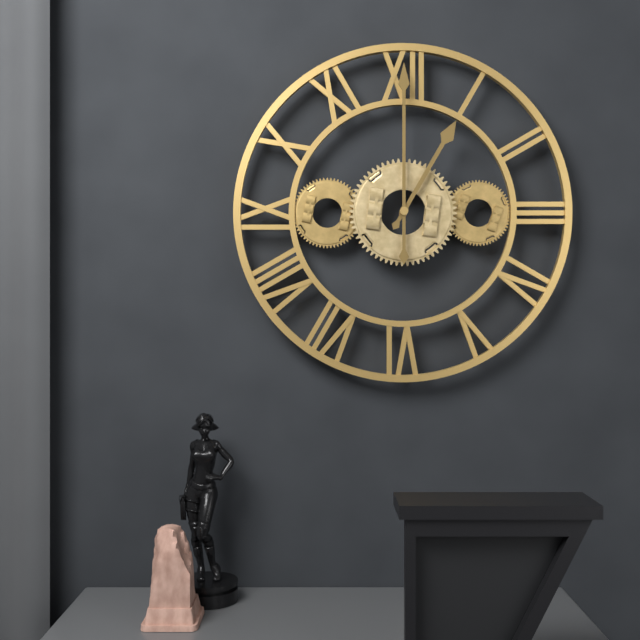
1 h 00 min
